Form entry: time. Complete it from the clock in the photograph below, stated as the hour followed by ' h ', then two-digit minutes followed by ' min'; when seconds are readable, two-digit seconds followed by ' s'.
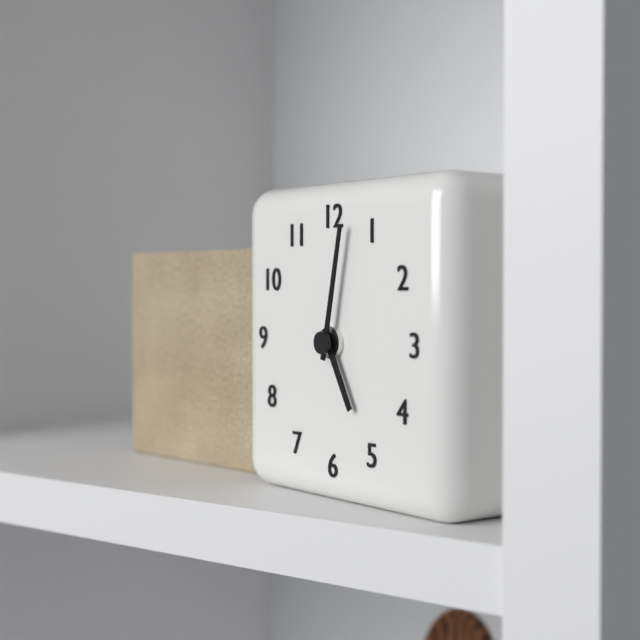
5 h 02 min
